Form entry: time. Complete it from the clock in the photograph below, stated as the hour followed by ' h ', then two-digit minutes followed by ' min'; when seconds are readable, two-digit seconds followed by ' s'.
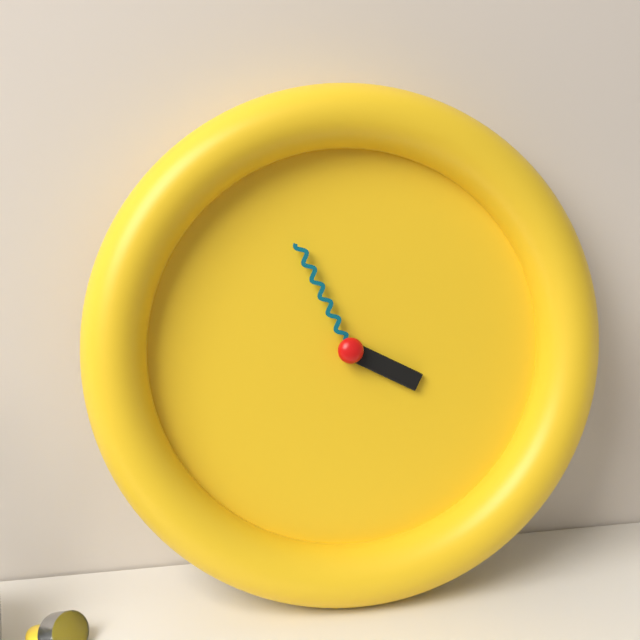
3 h 56 min
